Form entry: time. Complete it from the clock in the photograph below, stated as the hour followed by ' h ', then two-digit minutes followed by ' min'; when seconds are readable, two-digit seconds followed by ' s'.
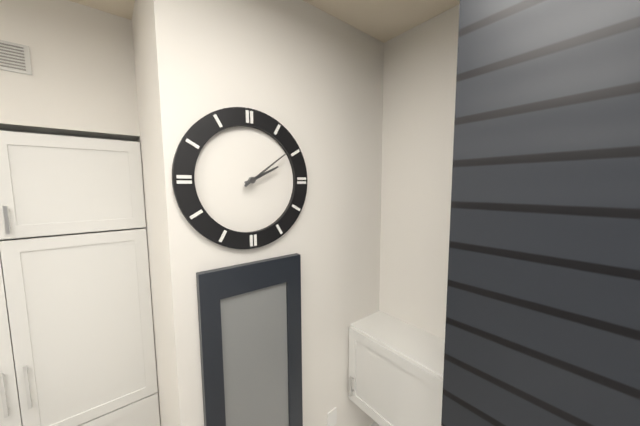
2 h 09 min
